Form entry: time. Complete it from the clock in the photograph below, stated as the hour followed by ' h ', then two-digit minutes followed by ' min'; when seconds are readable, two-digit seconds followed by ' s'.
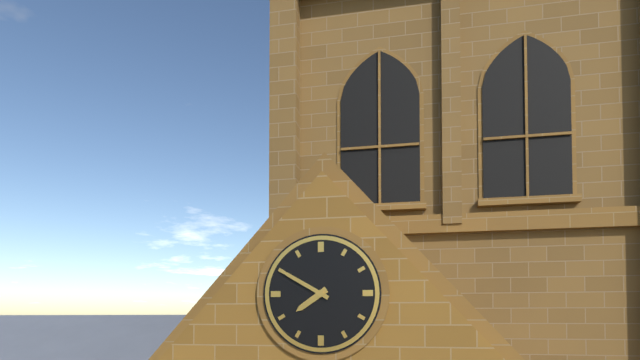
7 h 50 min
